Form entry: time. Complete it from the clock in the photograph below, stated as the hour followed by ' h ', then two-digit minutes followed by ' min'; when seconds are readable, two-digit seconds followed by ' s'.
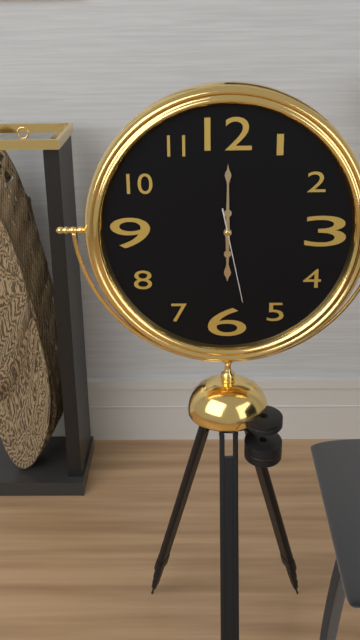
6 h 00 min 28 s
